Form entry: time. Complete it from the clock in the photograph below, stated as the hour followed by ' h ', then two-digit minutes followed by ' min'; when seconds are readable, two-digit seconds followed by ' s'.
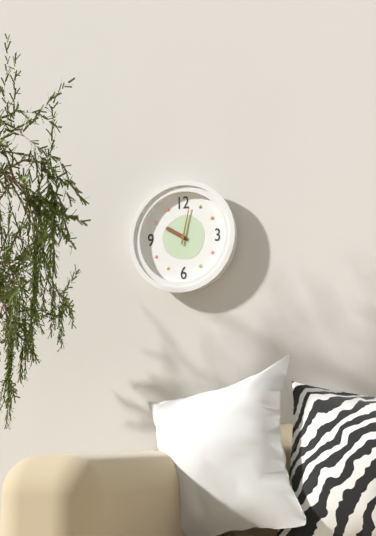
10 h 02 min
